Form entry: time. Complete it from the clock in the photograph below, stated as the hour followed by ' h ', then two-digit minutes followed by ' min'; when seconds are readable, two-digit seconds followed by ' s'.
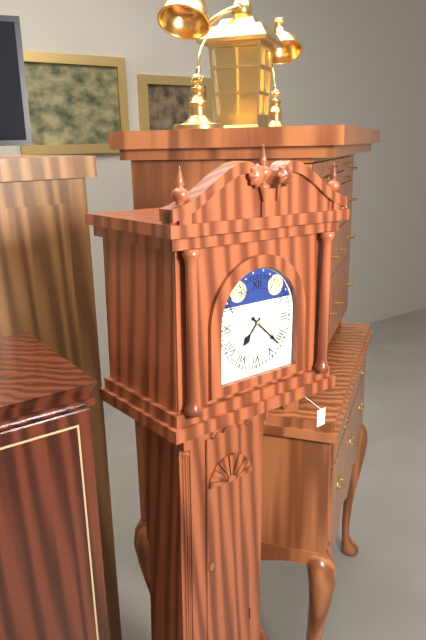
7 h 22 min
